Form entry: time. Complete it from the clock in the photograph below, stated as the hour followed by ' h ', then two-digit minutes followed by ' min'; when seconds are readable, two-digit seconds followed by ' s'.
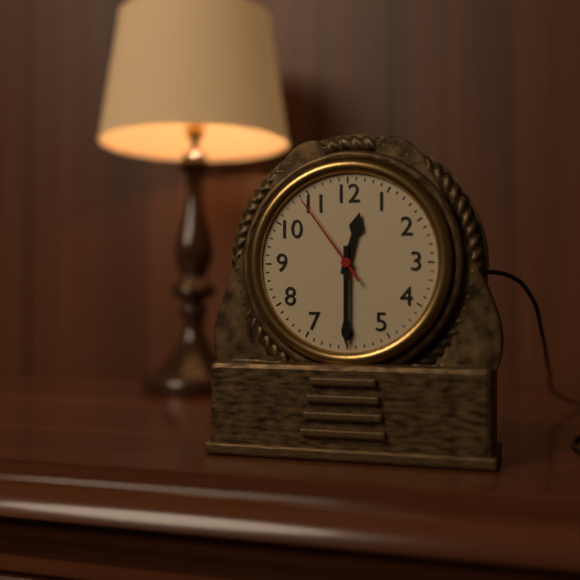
12 h 30 min 54 s
